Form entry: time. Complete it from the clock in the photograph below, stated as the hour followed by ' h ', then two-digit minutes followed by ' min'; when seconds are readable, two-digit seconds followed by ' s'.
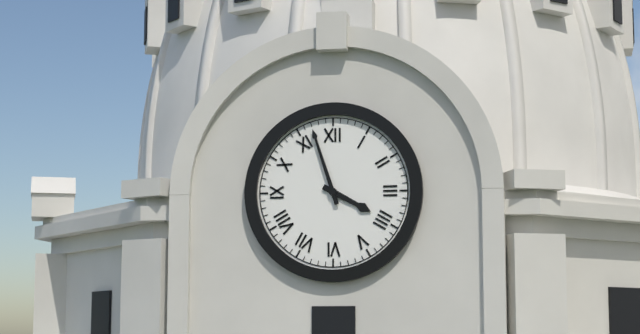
3 h 57 min
